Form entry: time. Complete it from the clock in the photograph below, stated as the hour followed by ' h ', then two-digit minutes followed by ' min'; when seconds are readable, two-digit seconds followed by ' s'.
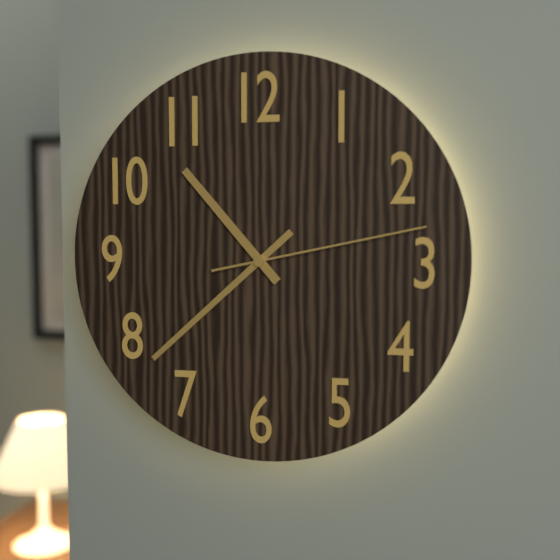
10 h 38 min 13 s
